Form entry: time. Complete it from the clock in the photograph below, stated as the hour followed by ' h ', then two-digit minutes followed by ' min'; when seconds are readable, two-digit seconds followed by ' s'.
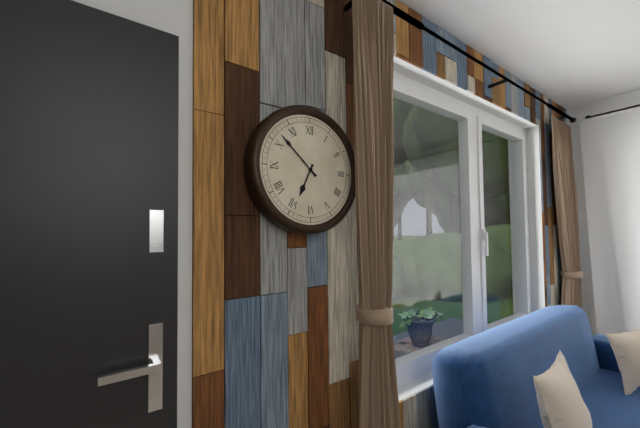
6 h 52 min
